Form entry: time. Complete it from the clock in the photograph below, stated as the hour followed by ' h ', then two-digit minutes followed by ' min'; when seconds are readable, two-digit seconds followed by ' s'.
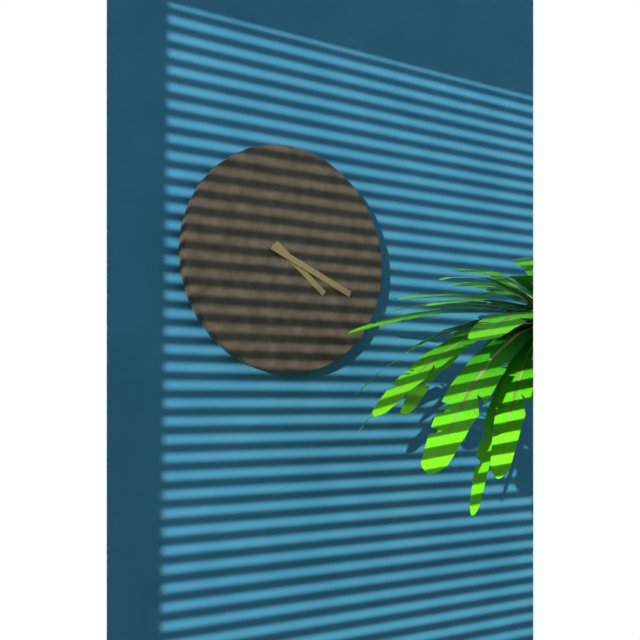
4 h 19 min
